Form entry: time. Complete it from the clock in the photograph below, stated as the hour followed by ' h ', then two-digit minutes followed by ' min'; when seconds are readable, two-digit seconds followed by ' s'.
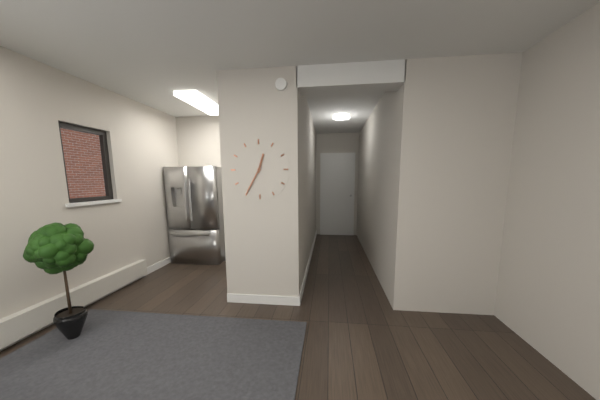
12 h 35 min
